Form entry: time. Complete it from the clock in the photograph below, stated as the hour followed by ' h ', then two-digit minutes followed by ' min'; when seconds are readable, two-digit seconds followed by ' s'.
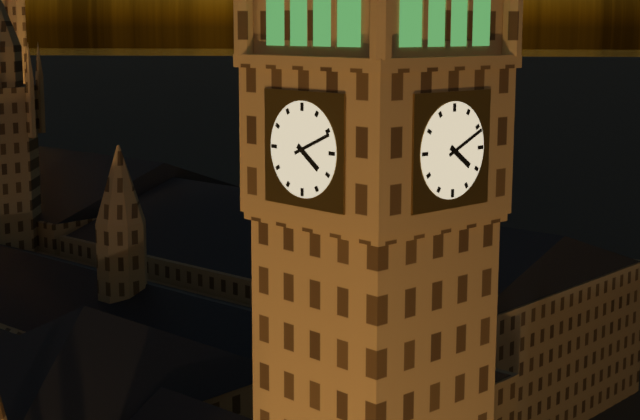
4 h 11 min
